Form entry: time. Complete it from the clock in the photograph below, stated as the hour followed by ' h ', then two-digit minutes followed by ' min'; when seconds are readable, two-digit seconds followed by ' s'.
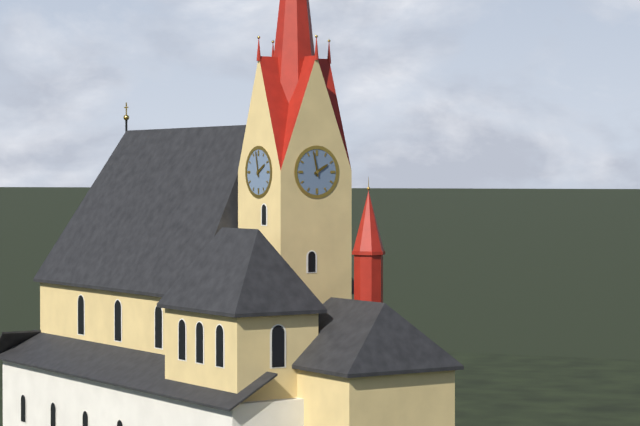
1 h 58 min
